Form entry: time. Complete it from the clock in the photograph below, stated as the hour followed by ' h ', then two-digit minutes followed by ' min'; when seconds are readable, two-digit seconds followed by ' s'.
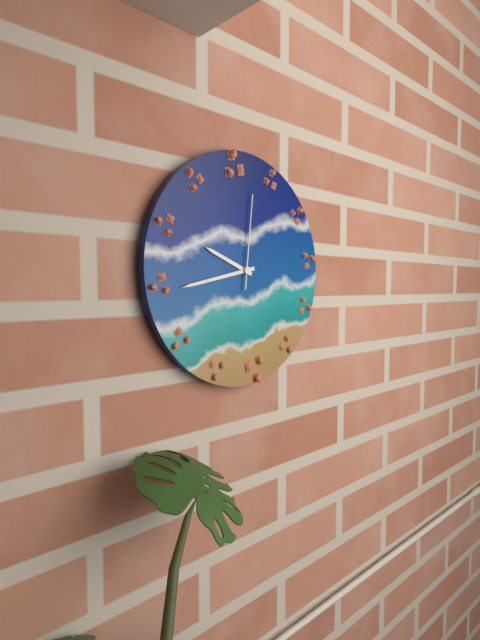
9 h 43 min 01 s
